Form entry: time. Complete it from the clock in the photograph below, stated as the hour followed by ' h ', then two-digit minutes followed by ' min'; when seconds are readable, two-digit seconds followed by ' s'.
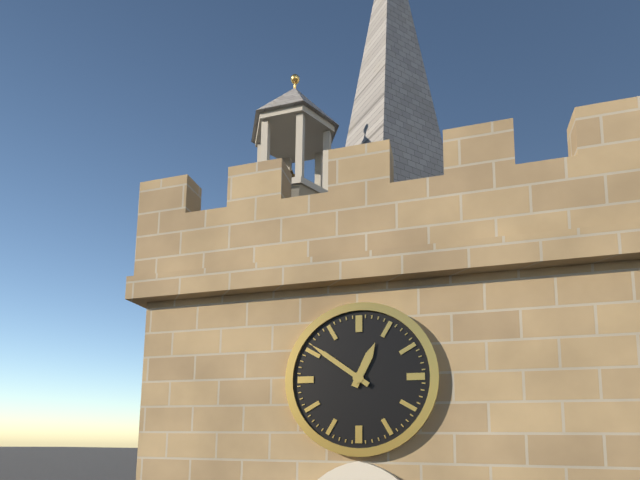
12 h 51 min
